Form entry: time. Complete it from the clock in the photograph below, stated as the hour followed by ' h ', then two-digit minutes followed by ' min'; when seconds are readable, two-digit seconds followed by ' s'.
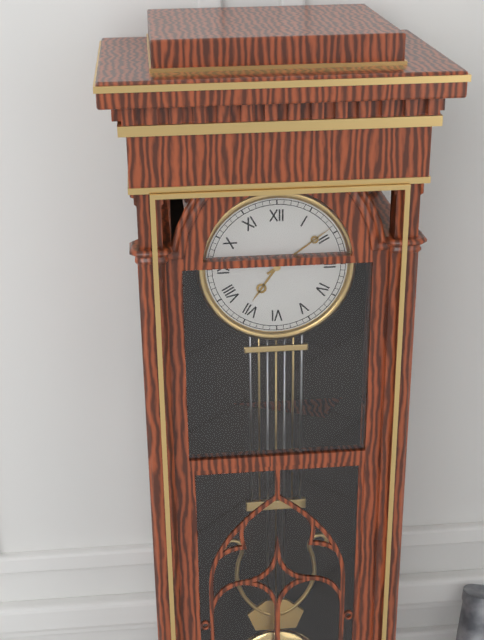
7 h 09 min
